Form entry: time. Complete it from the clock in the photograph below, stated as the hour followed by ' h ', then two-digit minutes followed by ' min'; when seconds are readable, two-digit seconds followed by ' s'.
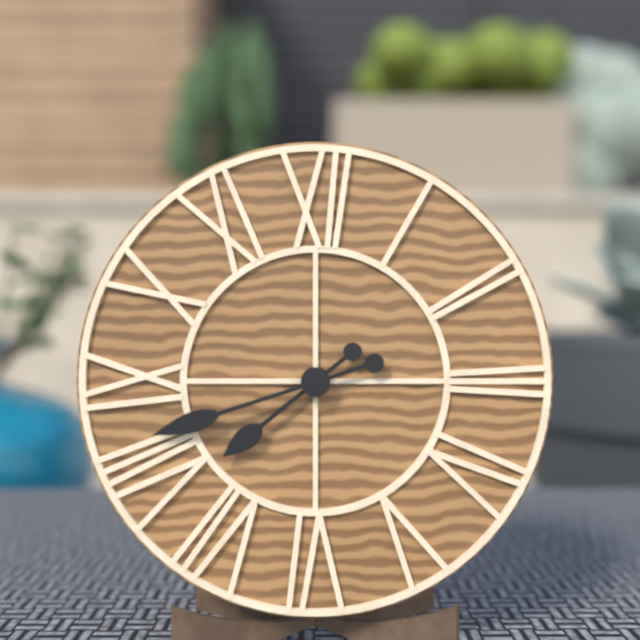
7 h 42 min
